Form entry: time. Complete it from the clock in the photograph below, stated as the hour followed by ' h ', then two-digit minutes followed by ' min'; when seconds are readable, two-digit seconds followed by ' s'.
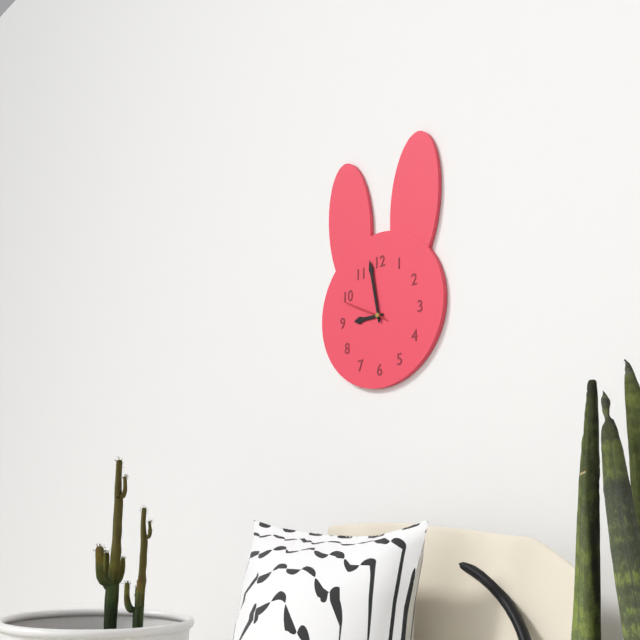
8 h 58 min
